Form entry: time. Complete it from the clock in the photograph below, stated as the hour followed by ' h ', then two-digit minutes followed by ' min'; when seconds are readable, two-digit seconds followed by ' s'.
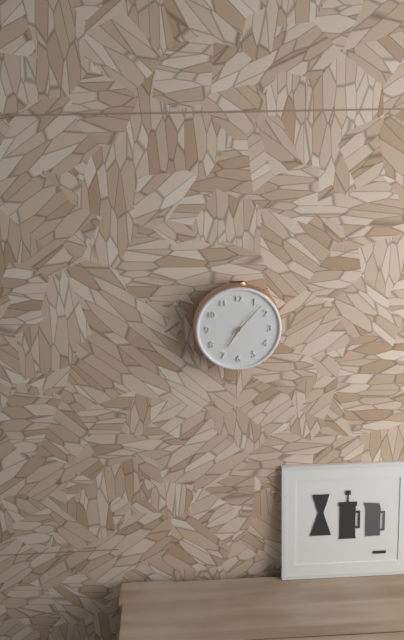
7 h 07 min
